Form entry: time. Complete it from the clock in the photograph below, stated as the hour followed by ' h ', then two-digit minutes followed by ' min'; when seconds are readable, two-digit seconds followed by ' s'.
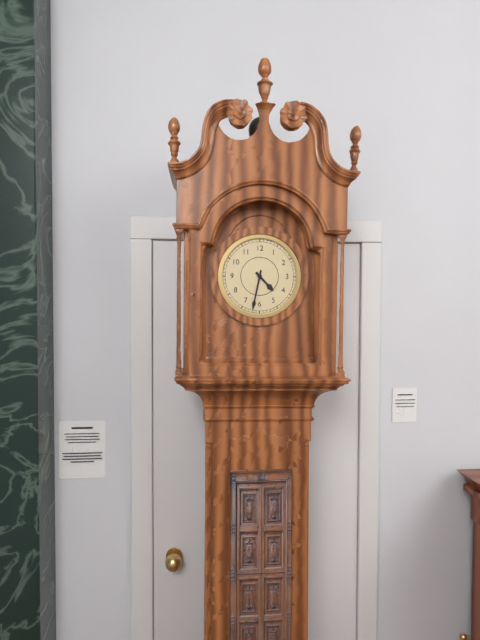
4 h 32 min
